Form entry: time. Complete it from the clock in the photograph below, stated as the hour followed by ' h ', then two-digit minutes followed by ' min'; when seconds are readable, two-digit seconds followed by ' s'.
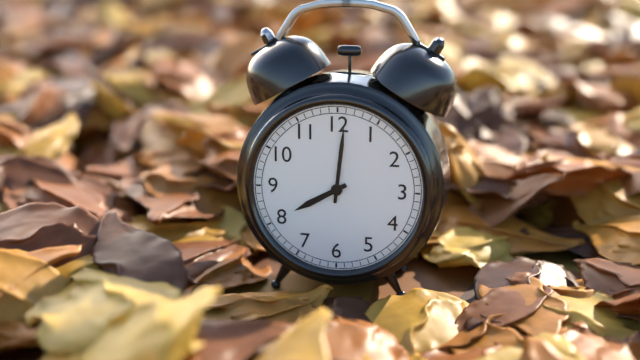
8 h 01 min
